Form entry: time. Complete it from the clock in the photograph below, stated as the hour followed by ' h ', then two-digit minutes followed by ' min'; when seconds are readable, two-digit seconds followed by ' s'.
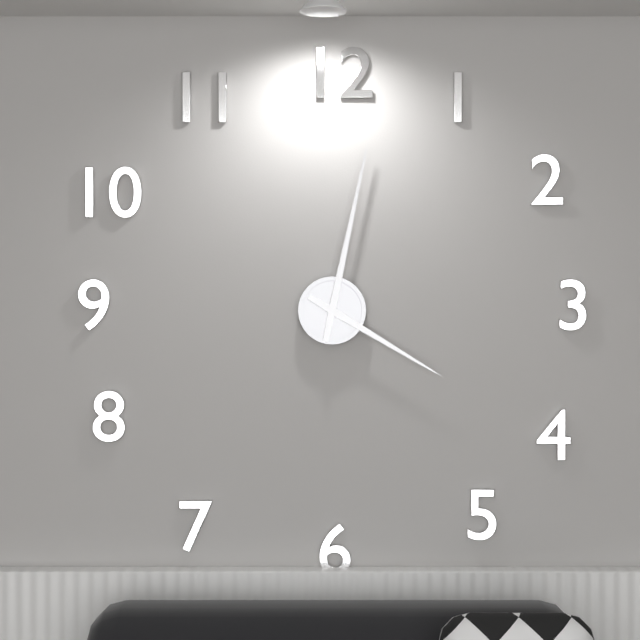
4 h 02 min
